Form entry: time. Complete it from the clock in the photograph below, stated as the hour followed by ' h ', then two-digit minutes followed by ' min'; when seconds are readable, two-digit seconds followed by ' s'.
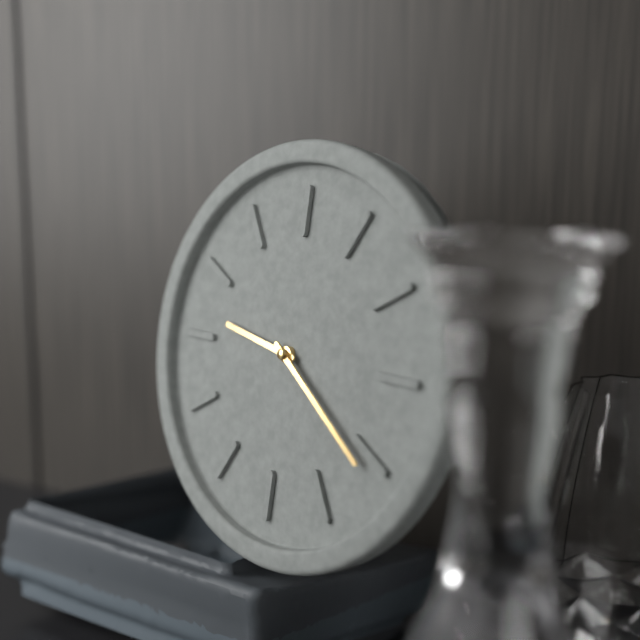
9 h 21 min
